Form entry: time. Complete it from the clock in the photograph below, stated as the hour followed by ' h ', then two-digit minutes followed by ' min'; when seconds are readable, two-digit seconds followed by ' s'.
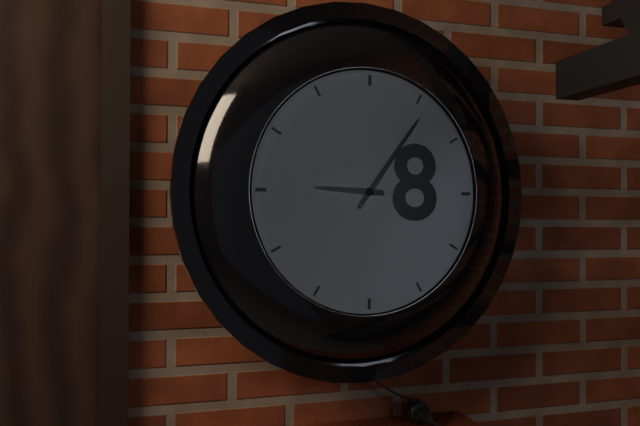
9 h 06 min
